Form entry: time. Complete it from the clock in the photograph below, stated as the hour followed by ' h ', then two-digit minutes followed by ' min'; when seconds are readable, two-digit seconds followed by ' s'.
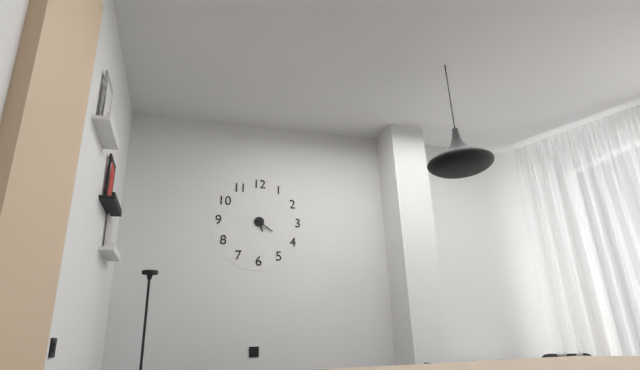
5 h 21 min
